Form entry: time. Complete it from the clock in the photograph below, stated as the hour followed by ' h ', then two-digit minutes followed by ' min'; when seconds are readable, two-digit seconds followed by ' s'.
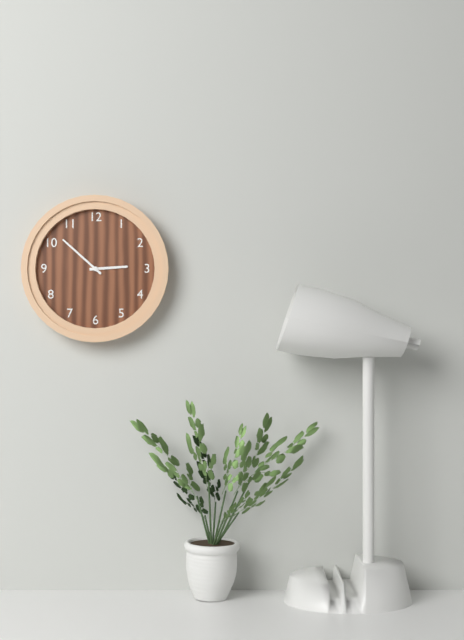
2 h 52 min
